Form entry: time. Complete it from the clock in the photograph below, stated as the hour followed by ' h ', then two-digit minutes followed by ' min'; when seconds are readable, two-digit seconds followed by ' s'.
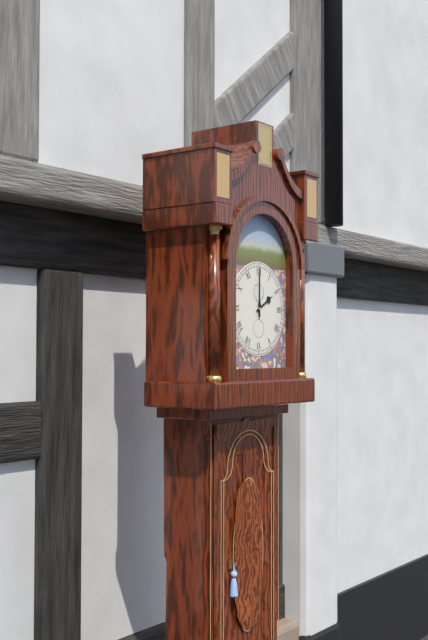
2 h 00 min
